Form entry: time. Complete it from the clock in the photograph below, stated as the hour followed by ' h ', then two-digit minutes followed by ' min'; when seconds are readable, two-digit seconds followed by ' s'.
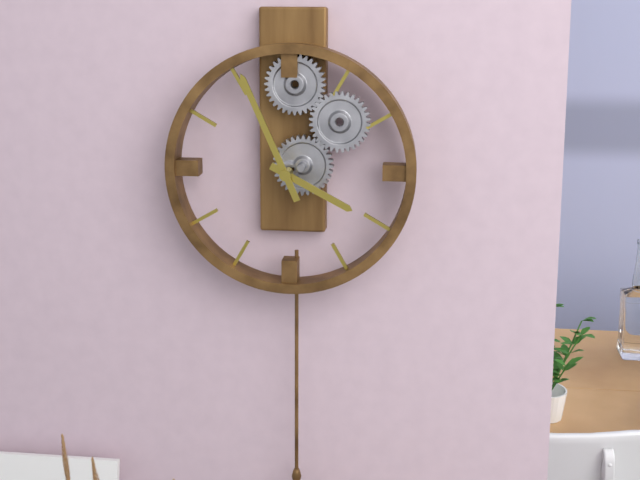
3 h 56 min
